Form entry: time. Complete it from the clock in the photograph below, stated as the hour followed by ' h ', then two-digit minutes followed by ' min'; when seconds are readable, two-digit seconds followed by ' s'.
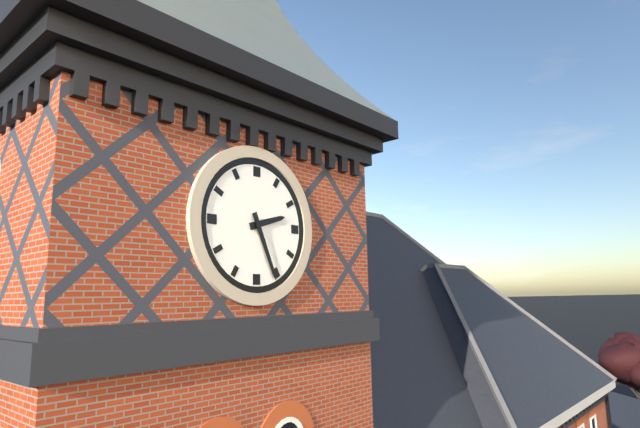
2 h 26 min
